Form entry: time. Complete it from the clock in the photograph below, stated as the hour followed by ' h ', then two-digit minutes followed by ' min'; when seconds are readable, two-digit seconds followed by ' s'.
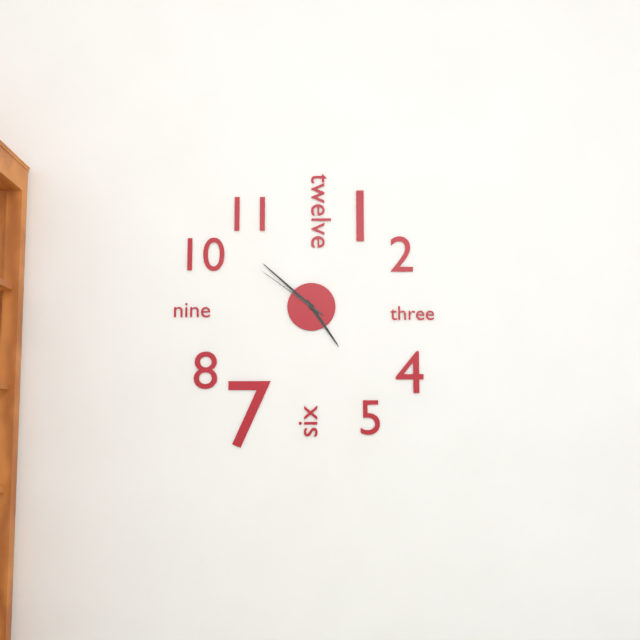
4 h 52 min 51 s
